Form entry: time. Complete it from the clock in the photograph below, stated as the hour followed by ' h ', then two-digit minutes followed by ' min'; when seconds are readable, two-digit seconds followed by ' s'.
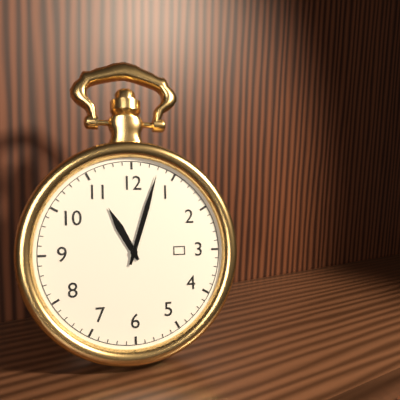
11 h 03 min
